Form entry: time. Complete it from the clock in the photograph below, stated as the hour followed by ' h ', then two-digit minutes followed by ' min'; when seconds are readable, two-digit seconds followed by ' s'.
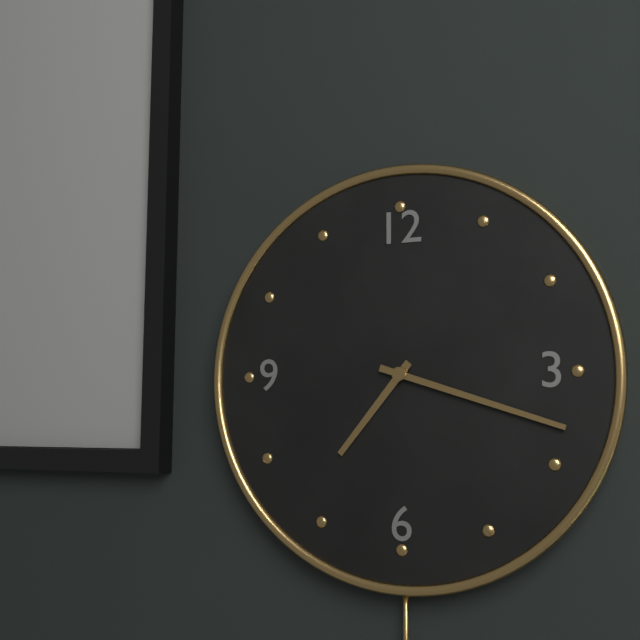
7 h 18 min
